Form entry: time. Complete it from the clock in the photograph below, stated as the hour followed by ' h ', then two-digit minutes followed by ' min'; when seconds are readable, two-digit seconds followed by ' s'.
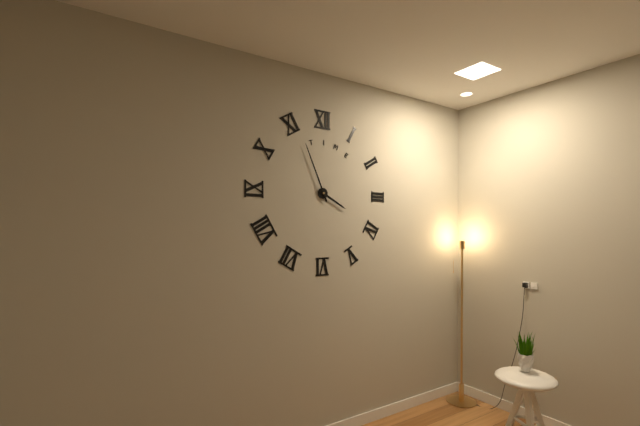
3 h 56 min
